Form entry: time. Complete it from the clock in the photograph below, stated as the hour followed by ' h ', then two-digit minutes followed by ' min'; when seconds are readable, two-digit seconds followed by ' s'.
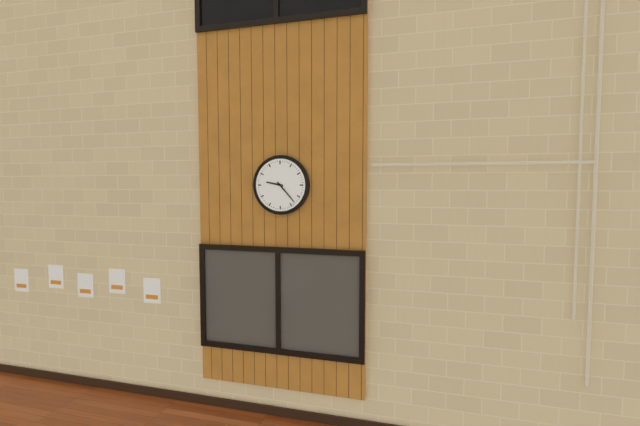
9 h 23 min
